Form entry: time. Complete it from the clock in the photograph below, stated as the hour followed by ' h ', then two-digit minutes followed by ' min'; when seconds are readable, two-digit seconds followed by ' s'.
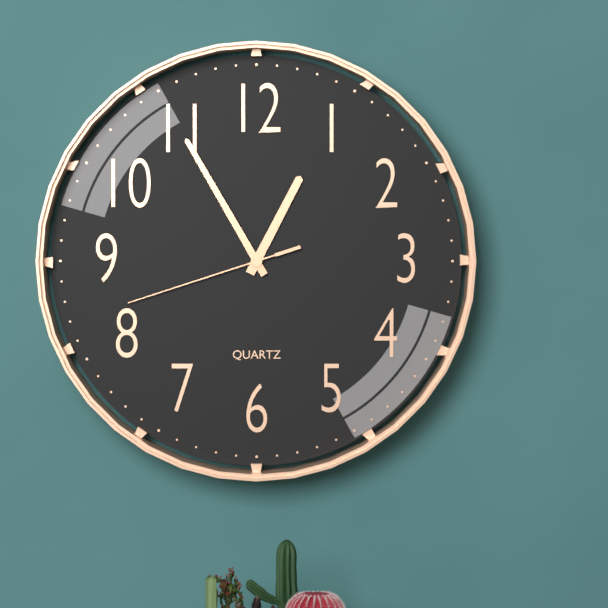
12 h 55 min 42 s
